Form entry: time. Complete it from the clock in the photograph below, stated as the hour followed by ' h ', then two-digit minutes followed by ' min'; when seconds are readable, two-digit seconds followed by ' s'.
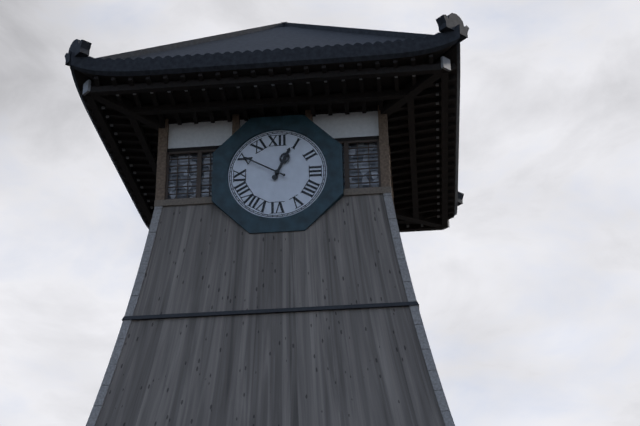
12 h 50 min
